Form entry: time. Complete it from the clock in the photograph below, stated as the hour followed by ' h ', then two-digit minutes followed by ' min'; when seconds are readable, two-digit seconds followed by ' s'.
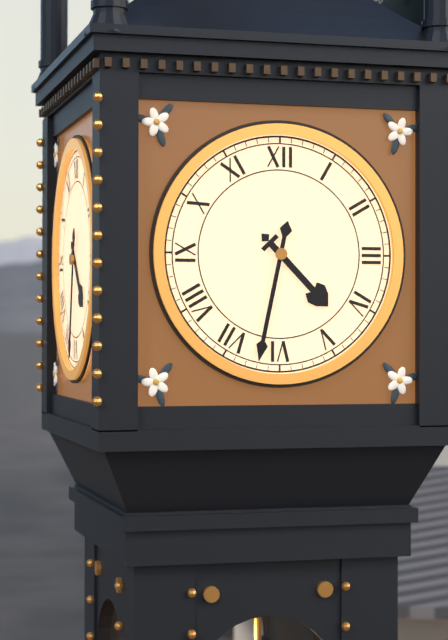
4 h 32 min
